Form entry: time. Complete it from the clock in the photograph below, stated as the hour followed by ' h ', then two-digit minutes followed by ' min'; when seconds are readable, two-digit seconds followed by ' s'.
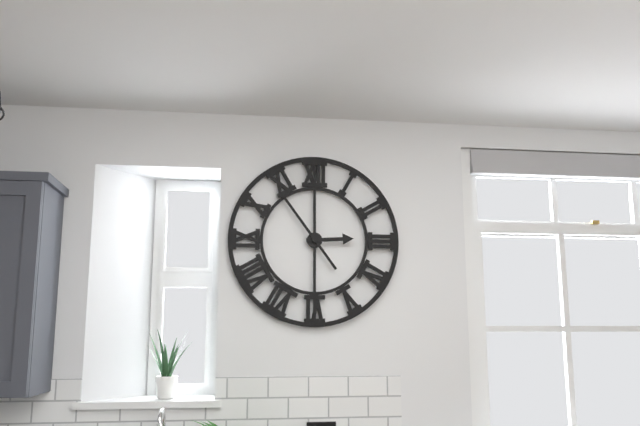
2 h 54 min
